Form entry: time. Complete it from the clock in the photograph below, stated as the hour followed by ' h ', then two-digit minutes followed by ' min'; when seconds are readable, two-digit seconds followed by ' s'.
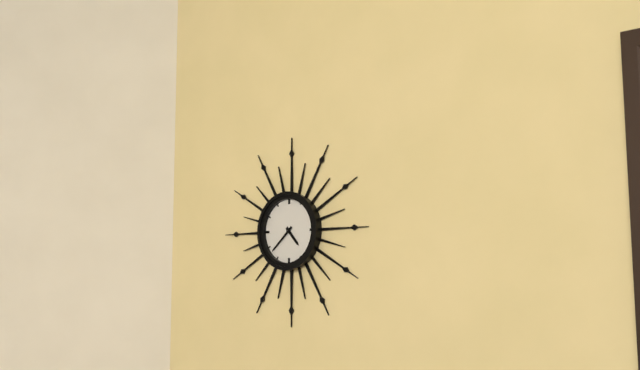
4 h 38 min
